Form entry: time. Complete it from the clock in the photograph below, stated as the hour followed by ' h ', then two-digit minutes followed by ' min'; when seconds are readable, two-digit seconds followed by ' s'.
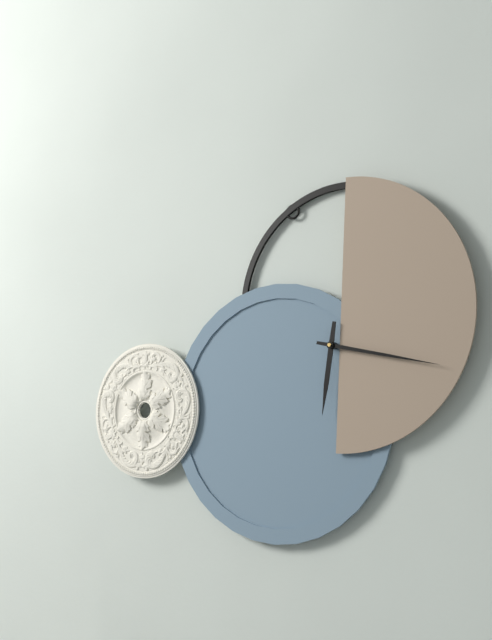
6 h 17 min
